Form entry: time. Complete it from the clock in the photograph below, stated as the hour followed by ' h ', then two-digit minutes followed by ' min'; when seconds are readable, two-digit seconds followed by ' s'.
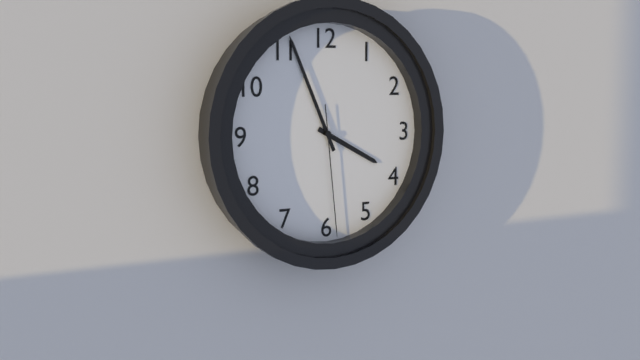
3 h 56 min 29 s
